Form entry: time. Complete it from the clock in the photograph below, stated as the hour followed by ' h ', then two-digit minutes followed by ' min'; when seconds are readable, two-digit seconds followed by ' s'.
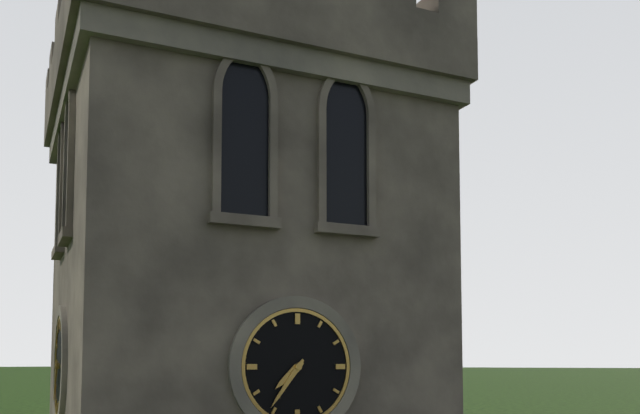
7 h 36 min
